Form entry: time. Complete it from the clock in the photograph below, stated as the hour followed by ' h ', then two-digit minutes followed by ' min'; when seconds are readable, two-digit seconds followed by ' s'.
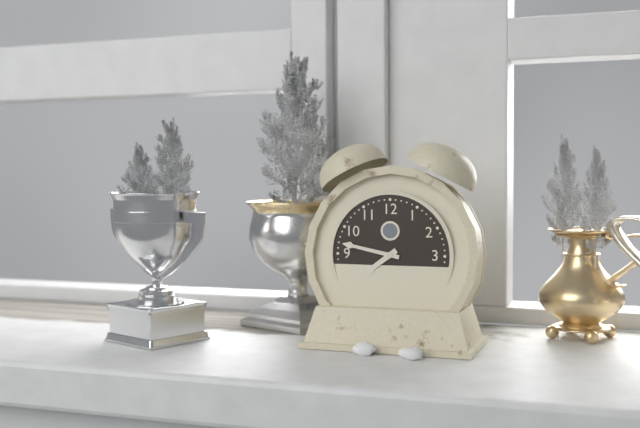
7 h 47 min
